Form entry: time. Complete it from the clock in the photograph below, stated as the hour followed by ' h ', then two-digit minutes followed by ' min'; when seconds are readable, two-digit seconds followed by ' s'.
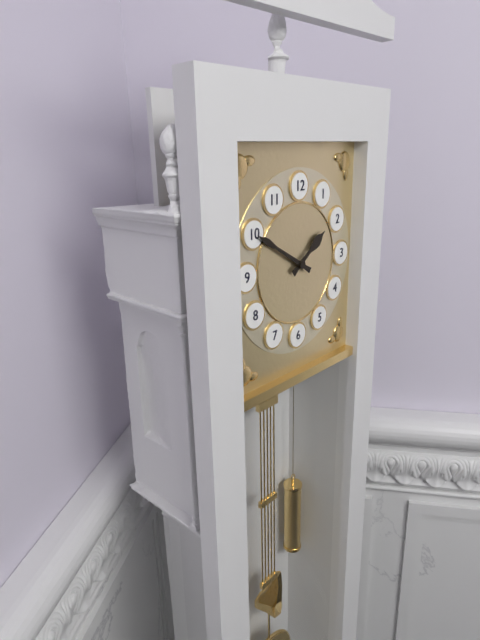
1 h 50 min
